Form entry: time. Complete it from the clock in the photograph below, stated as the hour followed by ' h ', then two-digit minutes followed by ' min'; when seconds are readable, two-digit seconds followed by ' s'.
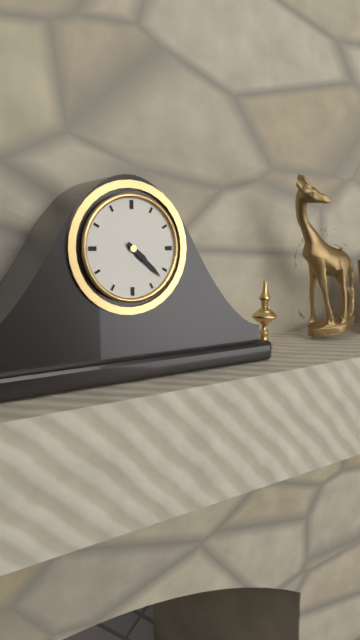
4 h 22 min
